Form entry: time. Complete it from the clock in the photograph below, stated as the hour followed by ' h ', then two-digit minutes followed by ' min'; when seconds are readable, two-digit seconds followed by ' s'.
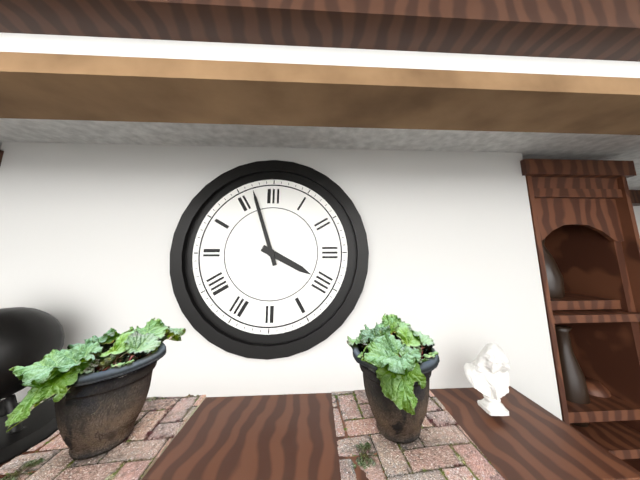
3 h 57 min
